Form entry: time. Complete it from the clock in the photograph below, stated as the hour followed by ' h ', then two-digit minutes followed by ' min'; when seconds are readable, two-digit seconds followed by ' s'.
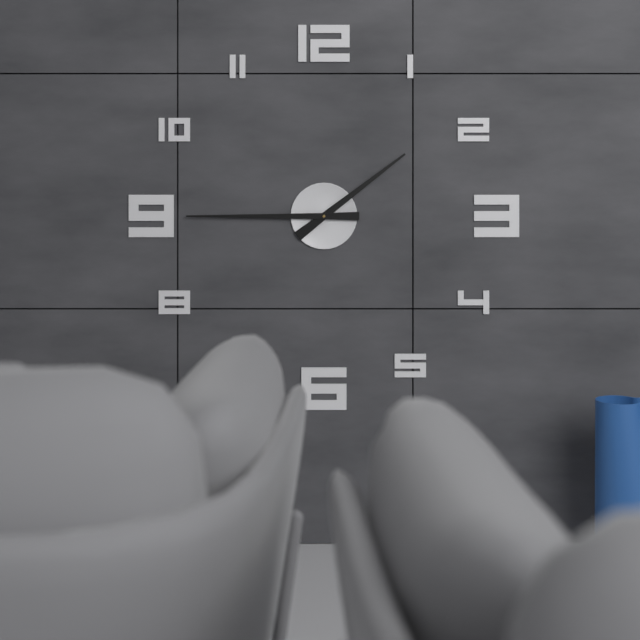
1 h 45 min
